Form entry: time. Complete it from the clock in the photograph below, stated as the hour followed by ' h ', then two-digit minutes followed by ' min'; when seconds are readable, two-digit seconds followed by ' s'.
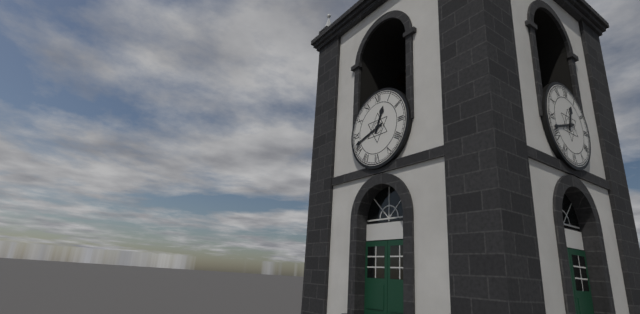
12 h 42 min
